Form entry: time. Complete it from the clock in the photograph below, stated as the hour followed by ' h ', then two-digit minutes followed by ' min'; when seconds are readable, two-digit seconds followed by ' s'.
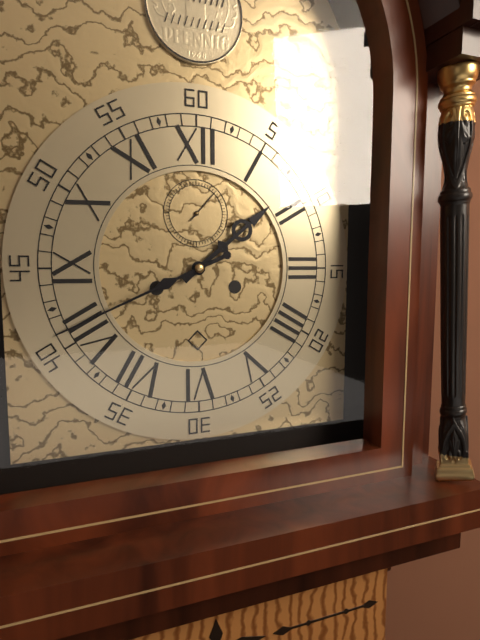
1 h 41 min
